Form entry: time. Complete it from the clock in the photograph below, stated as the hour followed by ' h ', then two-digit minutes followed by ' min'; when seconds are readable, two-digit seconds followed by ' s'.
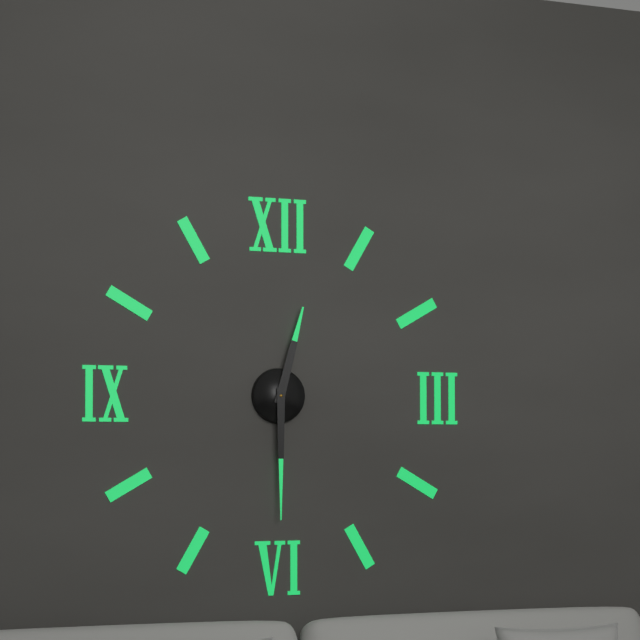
12 h 30 min
